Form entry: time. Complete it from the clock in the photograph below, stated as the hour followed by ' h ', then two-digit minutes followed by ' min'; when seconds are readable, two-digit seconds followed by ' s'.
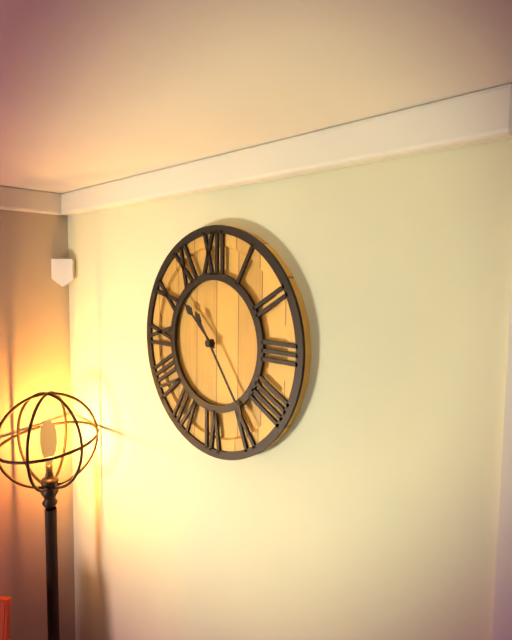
10 h 24 min
